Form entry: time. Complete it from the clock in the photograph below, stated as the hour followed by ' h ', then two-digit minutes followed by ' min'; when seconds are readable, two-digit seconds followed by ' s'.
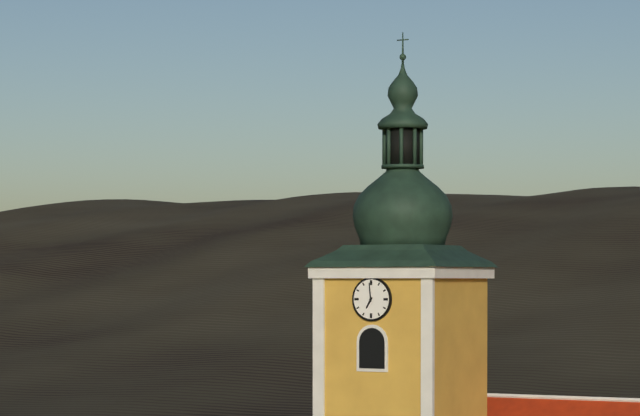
6 h 59 min
